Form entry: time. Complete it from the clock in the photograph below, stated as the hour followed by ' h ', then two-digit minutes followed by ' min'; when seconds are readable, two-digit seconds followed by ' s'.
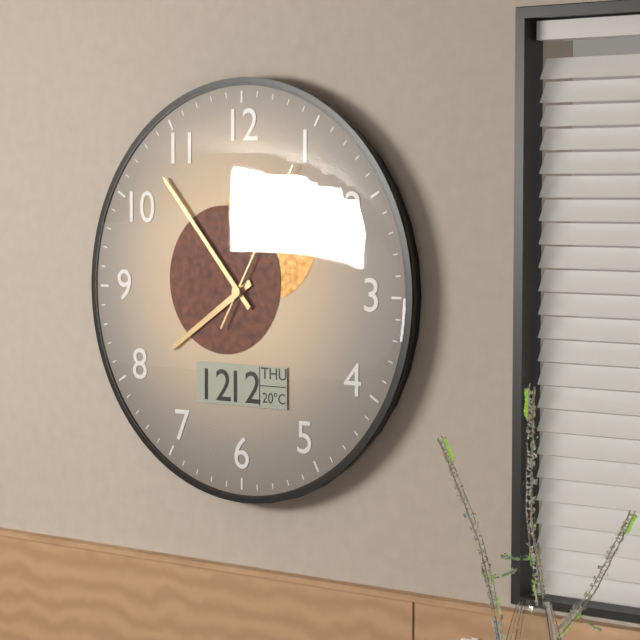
7 h 53 min 05 s
